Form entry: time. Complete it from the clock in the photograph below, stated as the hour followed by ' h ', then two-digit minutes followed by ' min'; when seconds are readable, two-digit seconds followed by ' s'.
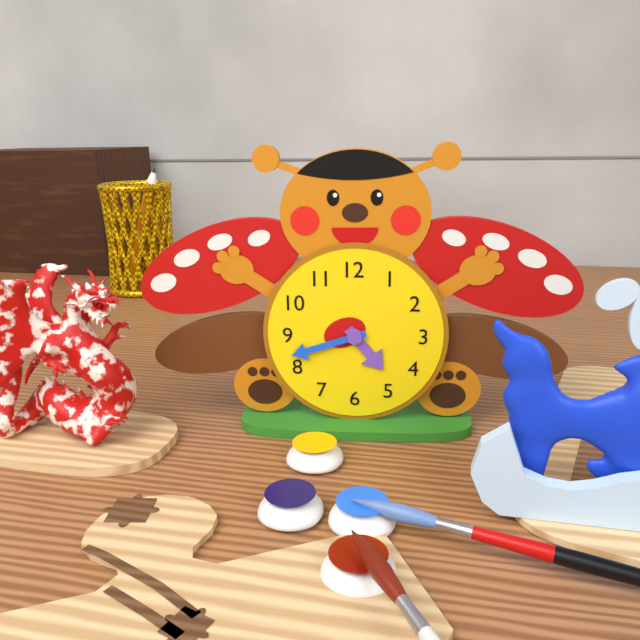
4 h 42 min
